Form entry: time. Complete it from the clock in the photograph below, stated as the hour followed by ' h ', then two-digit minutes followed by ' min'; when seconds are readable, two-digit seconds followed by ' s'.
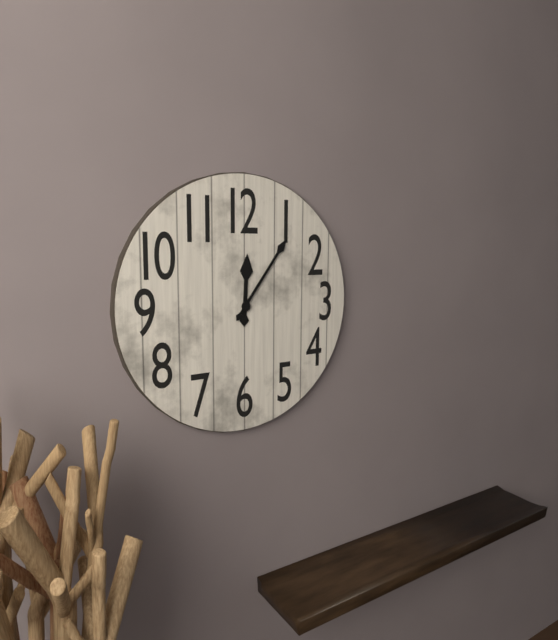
12 h 06 min
